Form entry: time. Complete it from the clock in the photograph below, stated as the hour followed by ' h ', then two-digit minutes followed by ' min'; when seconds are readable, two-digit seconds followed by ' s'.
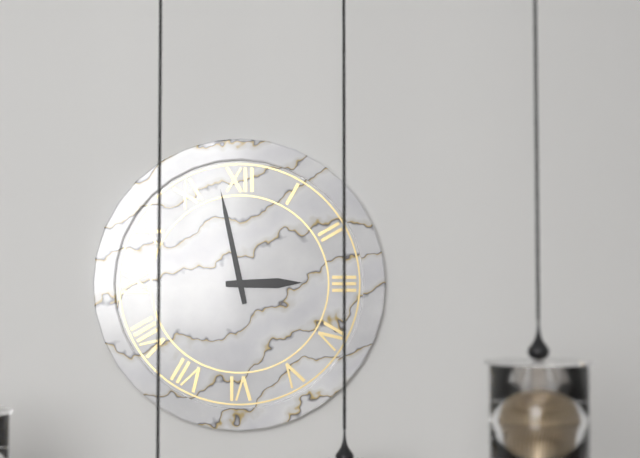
2 h 58 min
